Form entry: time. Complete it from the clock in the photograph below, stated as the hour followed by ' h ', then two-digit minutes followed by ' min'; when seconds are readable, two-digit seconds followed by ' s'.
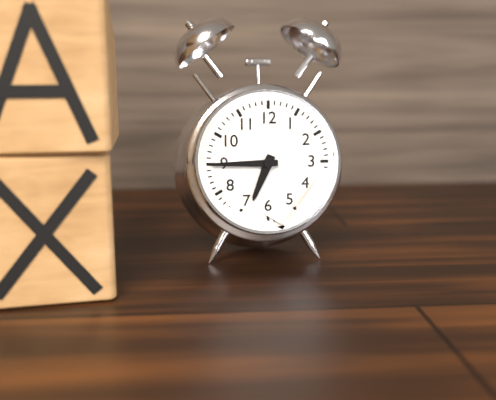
6 h 45 min
